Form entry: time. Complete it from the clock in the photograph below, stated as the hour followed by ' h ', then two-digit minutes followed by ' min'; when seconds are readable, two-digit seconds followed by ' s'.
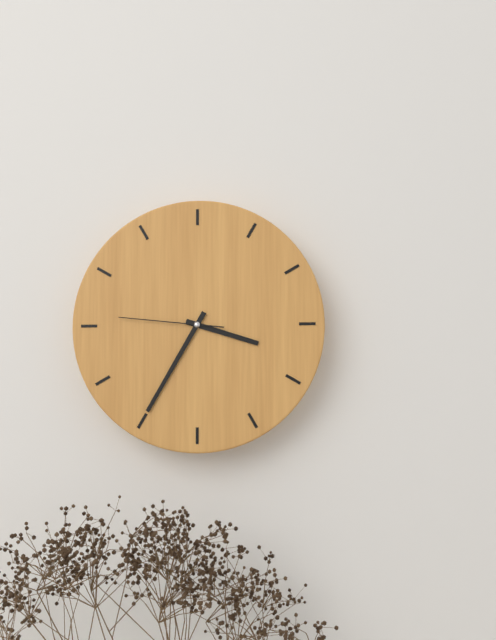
3 h 35 min 46 s
